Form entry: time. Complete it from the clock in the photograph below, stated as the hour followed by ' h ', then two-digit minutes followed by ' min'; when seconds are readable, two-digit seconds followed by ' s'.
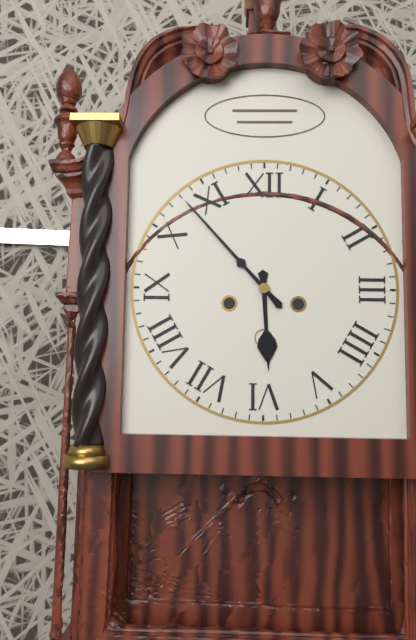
5 h 53 min
